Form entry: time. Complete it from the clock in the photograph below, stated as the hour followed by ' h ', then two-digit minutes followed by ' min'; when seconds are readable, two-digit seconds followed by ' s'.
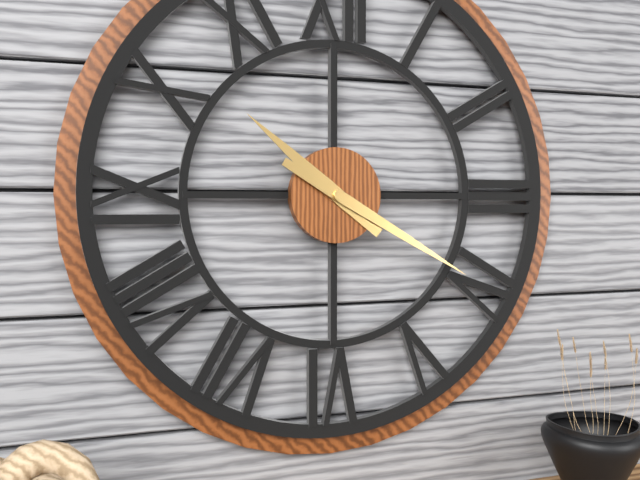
10 h 20 min
